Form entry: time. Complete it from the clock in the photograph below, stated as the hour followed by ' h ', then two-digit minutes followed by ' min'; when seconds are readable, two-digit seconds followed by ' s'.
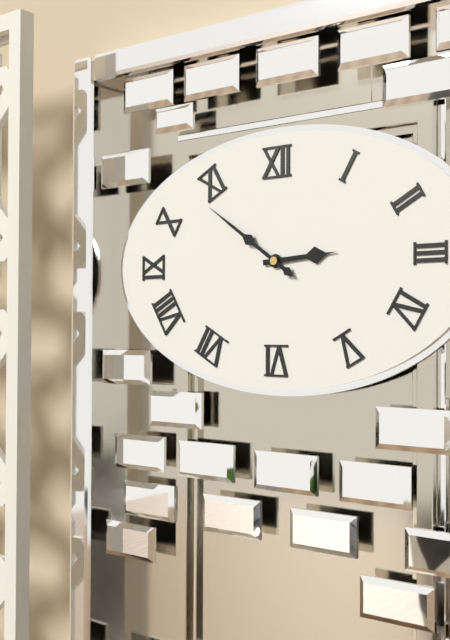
2 h 51 min
